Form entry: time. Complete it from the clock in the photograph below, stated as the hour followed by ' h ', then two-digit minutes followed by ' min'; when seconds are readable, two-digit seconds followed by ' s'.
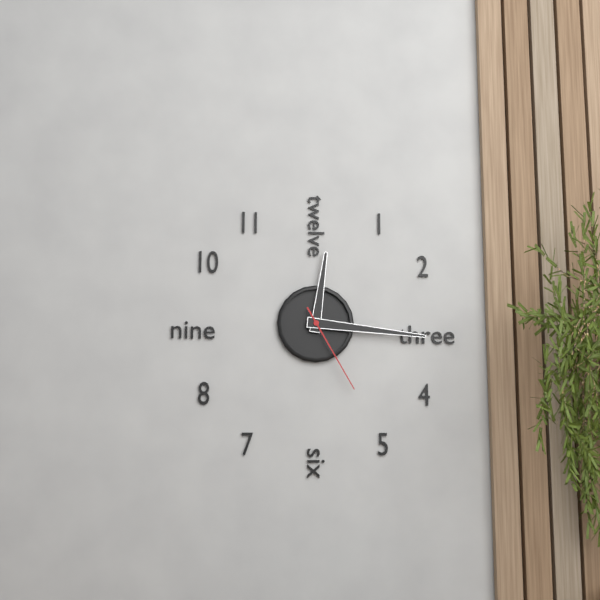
12 h 16 min 25 s
